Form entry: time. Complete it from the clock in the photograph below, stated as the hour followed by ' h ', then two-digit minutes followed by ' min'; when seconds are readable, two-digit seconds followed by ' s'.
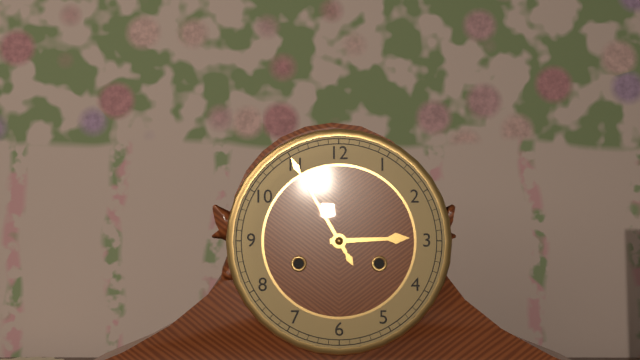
2 h 55 min
